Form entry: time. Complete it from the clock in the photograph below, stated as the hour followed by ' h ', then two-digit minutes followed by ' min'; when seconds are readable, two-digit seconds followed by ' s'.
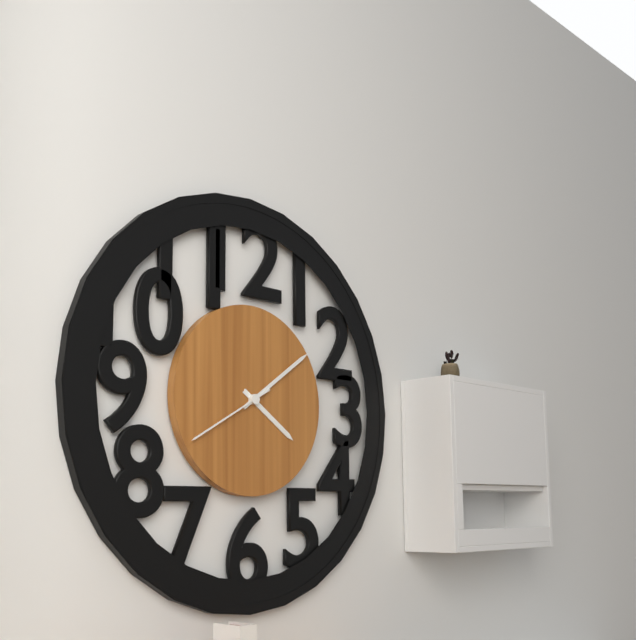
4 h 09 min 40 s
